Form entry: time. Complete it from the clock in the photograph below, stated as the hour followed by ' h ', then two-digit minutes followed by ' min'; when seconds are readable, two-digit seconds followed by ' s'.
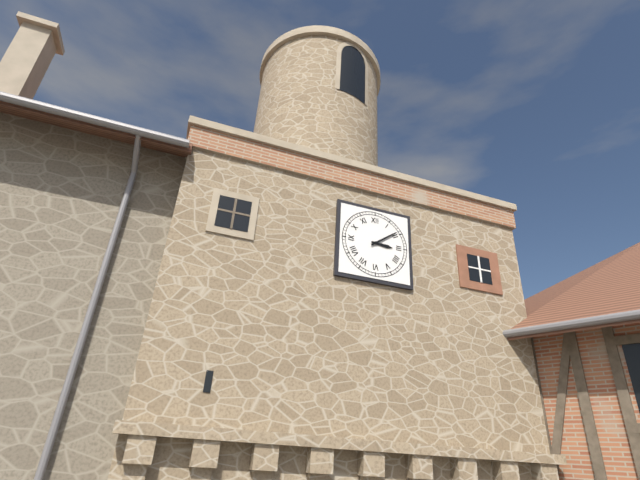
3 h 09 min
